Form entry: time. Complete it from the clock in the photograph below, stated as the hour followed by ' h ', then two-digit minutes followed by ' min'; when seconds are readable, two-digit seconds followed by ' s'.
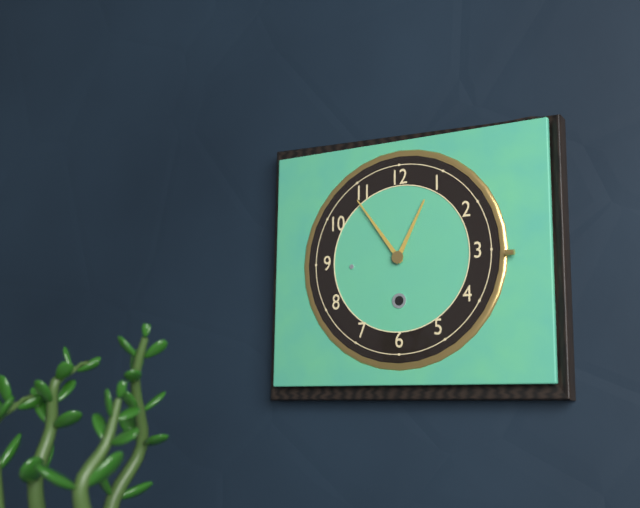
12 h 54 min
